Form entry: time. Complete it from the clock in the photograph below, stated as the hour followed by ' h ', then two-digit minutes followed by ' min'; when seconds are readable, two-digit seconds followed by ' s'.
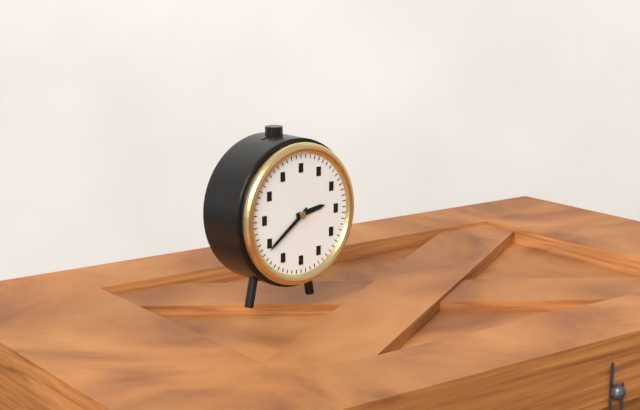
2 h 39 min
